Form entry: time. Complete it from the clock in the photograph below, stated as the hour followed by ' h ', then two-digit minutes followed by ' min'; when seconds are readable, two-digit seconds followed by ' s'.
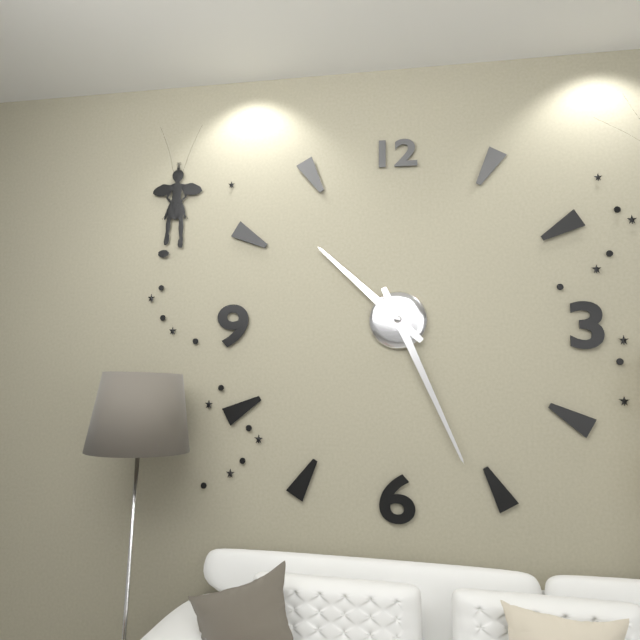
10 h 26 min
